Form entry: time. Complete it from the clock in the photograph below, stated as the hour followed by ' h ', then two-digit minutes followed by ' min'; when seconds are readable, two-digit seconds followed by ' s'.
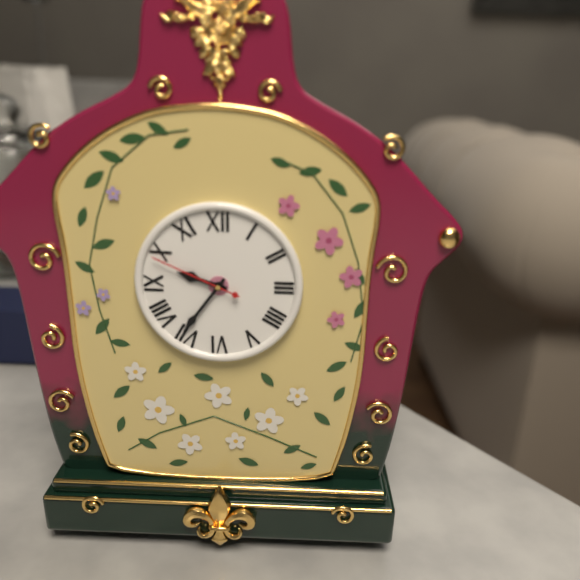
9 h 36 min 49 s
